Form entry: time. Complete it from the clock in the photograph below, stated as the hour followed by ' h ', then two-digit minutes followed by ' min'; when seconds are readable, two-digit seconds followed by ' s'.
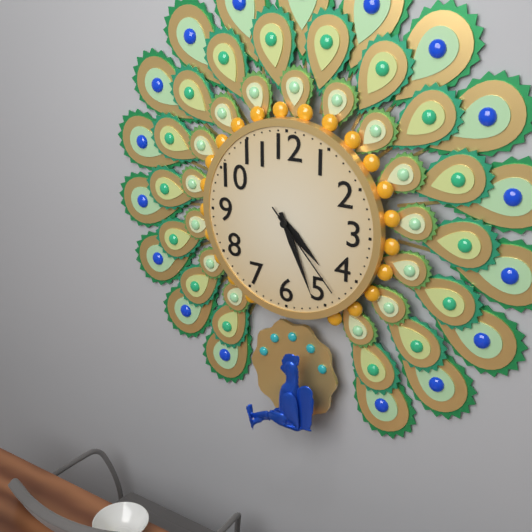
4 h 26 min 23 s
